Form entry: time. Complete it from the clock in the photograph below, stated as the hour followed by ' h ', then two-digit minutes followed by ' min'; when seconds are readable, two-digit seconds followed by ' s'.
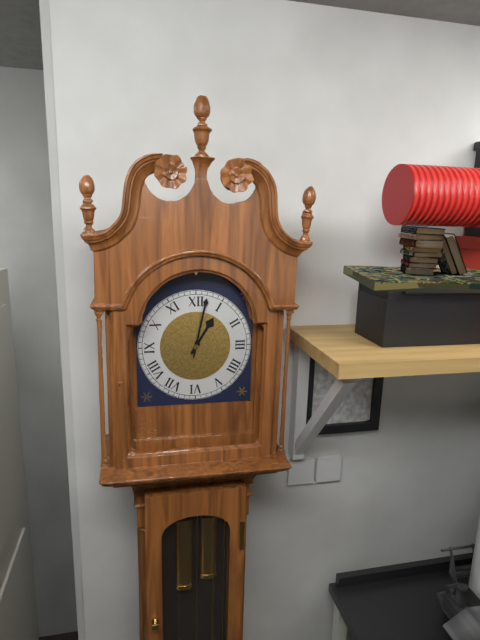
1 h 02 min
